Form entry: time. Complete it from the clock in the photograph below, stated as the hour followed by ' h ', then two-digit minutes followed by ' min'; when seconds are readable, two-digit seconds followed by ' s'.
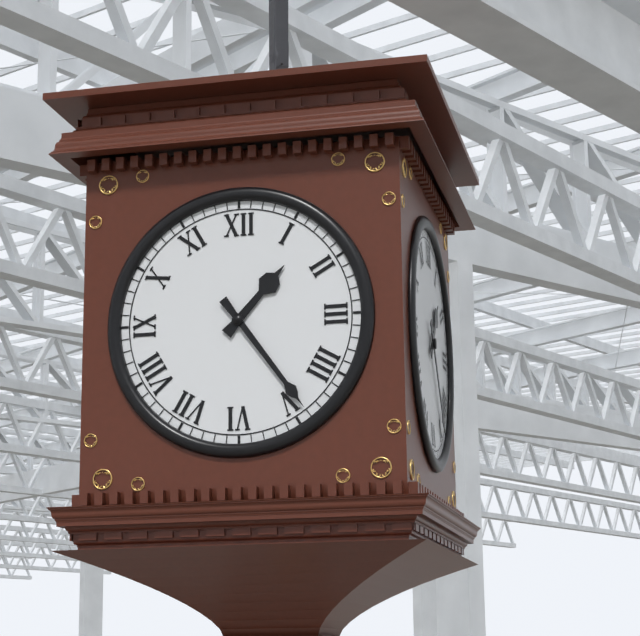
1 h 24 min
